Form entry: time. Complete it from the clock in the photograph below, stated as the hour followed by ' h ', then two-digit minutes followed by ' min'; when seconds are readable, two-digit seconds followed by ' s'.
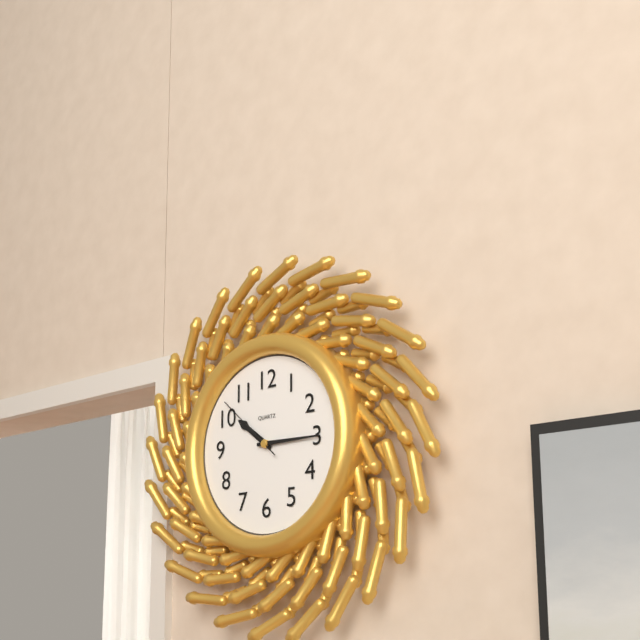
10 h 15 min 52 s
